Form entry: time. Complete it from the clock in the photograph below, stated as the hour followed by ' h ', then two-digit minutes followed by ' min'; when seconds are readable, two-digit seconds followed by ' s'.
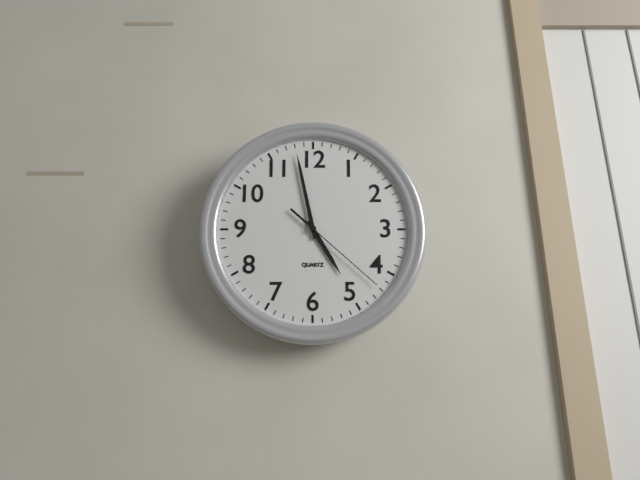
4 h 58 min 22 s
